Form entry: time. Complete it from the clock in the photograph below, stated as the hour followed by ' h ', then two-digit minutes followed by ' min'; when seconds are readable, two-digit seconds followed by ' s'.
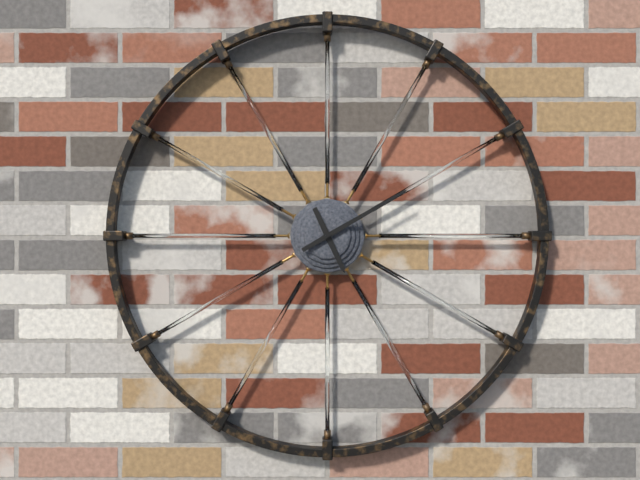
5 h 10 min
